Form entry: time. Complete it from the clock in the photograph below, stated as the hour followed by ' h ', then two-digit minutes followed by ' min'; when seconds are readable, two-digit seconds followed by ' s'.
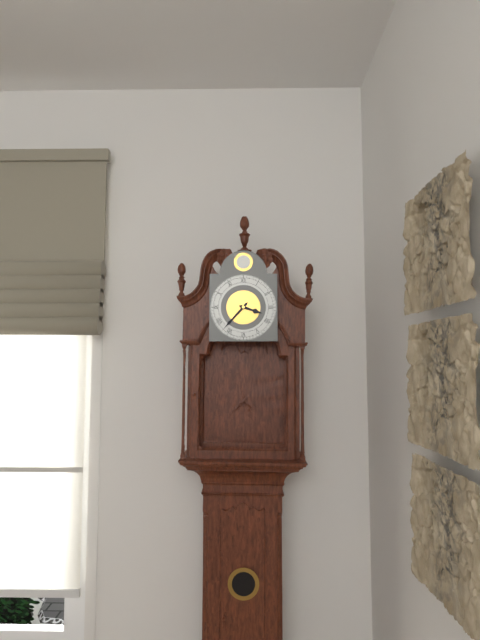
3 h 37 min
